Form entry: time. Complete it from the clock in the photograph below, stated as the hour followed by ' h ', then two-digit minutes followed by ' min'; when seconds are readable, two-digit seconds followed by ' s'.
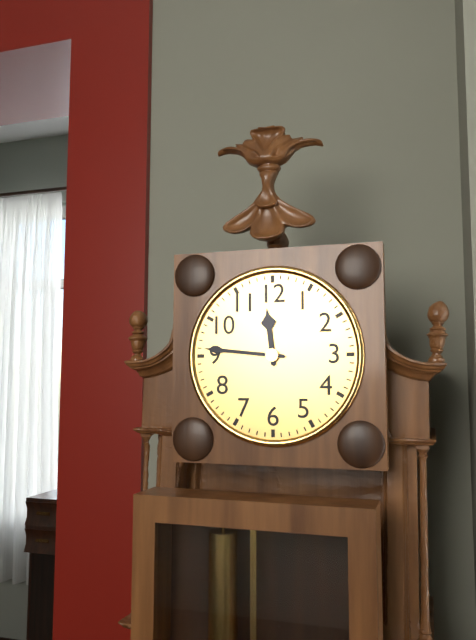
11 h 46 min
